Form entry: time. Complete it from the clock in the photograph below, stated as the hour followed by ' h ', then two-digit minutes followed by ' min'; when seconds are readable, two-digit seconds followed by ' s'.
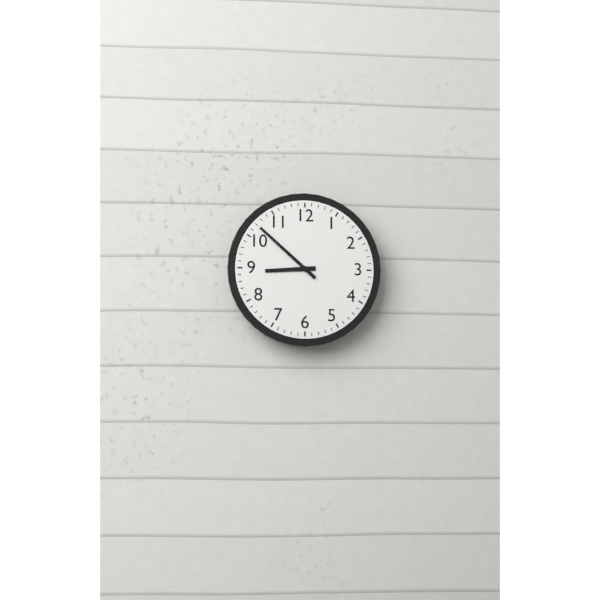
8 h 52 min
